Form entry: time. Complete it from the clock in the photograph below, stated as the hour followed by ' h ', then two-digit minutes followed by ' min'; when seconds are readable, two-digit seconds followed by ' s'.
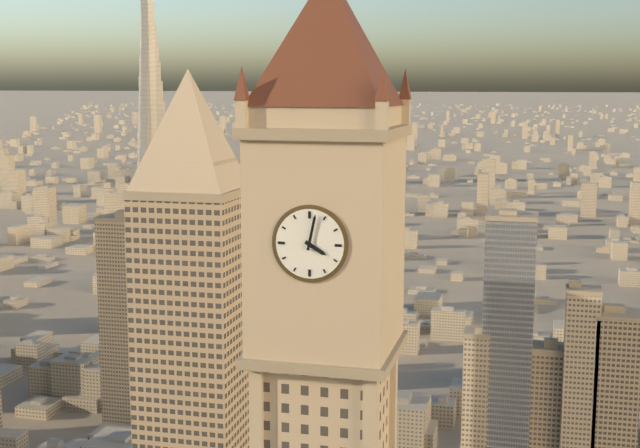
4 h 02 min
